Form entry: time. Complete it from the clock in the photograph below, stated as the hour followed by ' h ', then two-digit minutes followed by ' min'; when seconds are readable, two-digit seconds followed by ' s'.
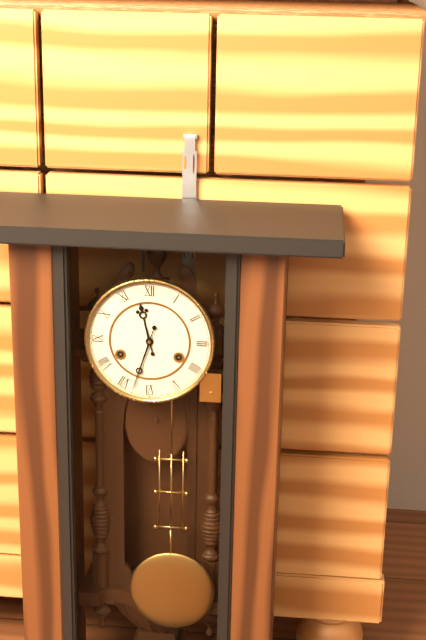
11 h 33 min
